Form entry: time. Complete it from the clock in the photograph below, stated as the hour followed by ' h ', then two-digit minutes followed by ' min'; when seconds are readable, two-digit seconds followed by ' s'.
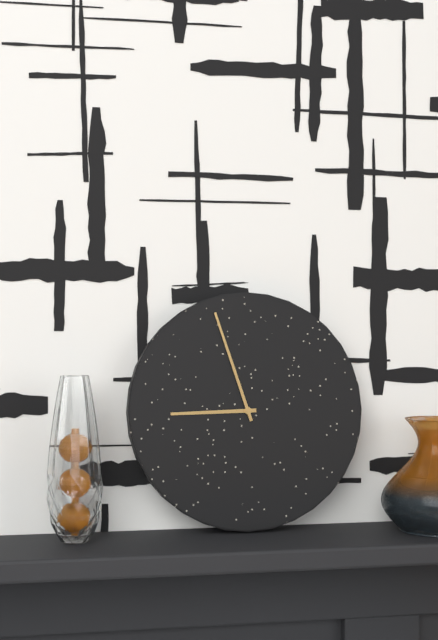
8 h 57 min
